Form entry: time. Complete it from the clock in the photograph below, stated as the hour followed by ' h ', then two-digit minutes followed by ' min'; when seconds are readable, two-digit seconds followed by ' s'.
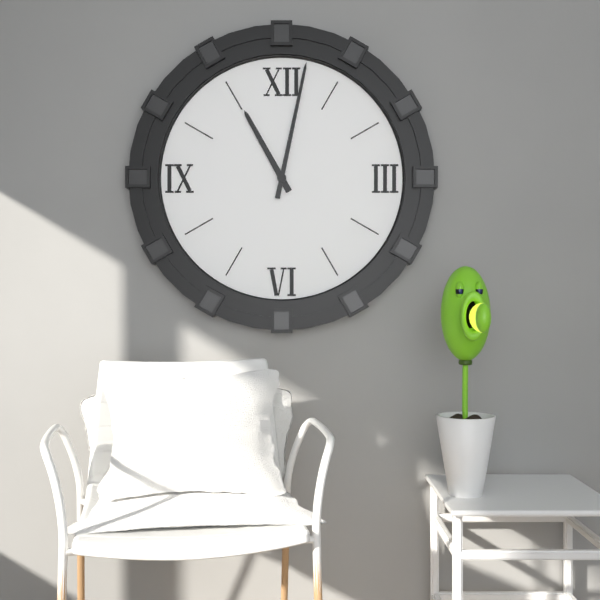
11 h 02 min
